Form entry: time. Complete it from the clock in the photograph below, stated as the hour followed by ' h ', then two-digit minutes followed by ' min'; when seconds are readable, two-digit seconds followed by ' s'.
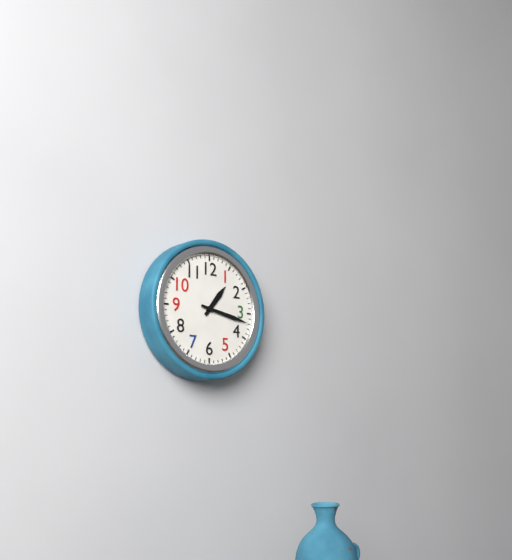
1 h 17 min
